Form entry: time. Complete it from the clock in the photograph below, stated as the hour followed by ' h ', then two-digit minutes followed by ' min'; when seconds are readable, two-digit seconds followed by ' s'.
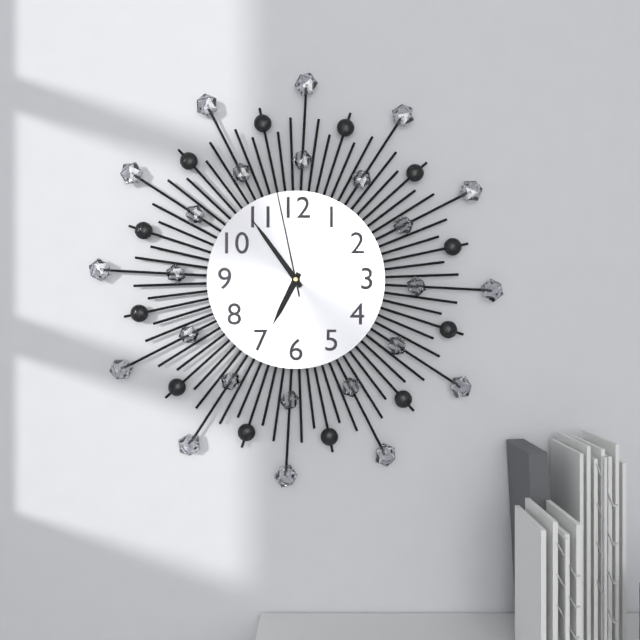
6 h 54 min 58 s
